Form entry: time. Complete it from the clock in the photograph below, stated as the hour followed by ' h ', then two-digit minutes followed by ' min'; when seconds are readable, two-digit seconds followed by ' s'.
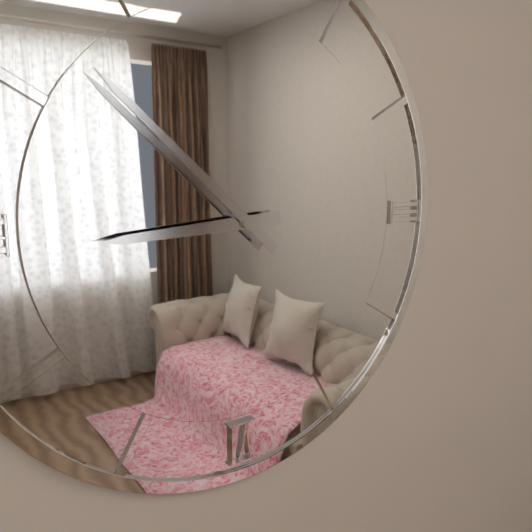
8 h 52 min
